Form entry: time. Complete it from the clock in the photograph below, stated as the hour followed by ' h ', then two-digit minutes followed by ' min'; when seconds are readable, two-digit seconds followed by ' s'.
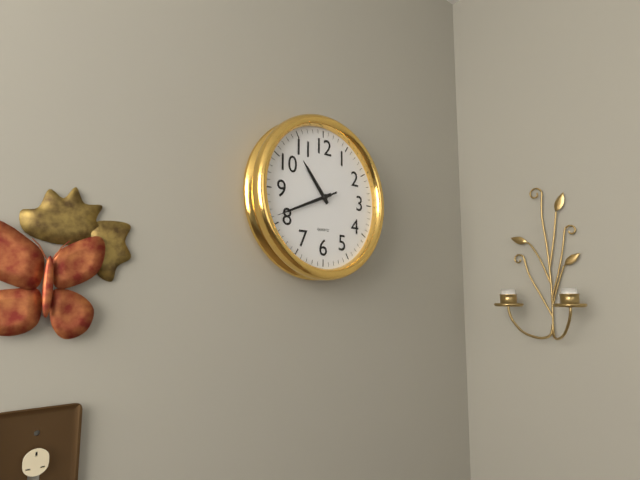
10 h 41 min 41 s
